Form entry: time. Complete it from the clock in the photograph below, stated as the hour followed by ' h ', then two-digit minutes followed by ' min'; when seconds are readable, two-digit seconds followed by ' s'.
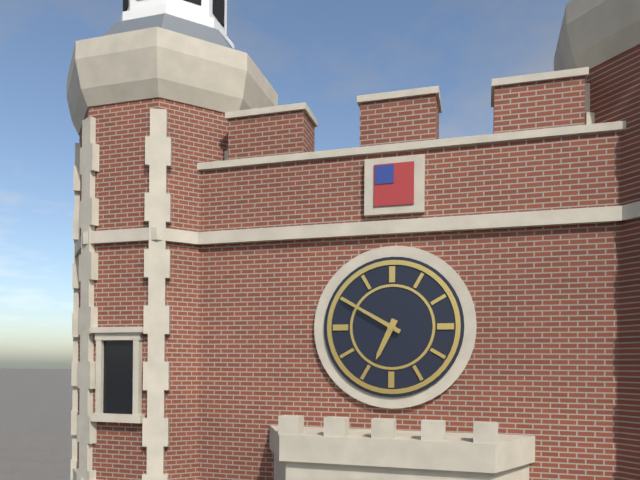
6 h 50 min
